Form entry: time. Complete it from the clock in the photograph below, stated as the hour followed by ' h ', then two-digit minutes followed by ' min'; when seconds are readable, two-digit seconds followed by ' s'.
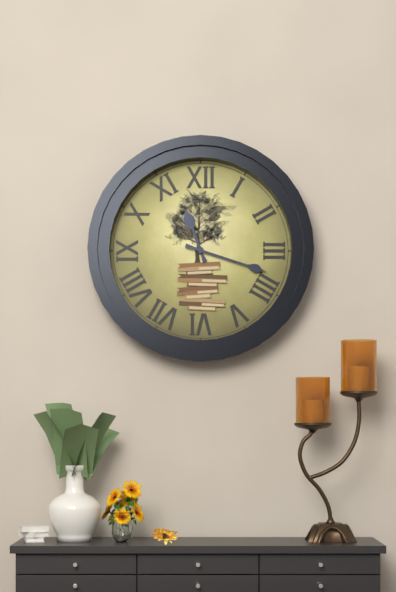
11 h 18 min
